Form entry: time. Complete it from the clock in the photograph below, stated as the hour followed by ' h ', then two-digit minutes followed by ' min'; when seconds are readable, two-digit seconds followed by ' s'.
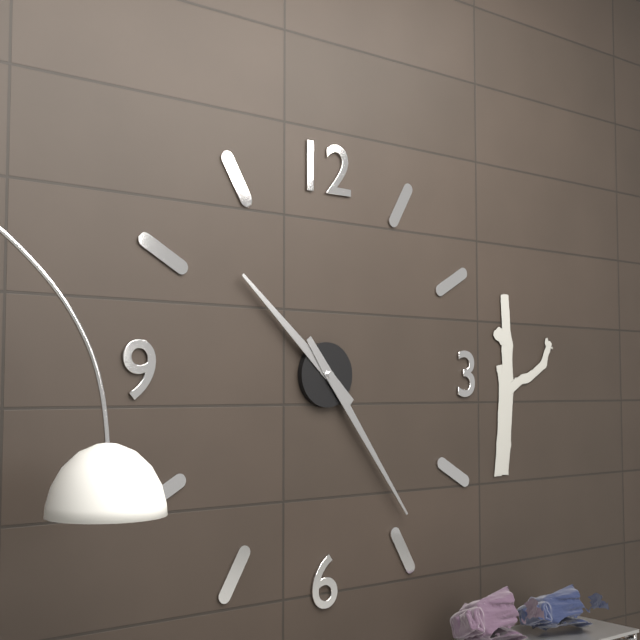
10 h 24 min
